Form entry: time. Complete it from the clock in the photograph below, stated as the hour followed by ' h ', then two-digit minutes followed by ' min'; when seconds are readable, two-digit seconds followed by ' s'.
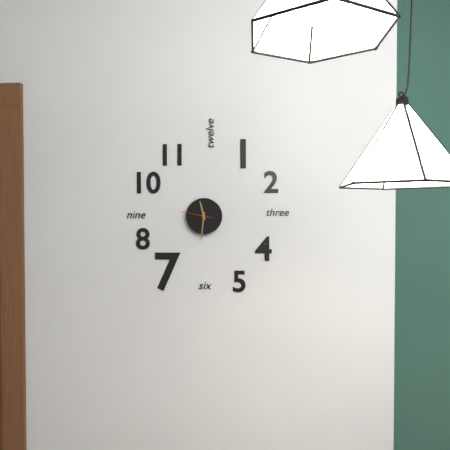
11 h 31 min
